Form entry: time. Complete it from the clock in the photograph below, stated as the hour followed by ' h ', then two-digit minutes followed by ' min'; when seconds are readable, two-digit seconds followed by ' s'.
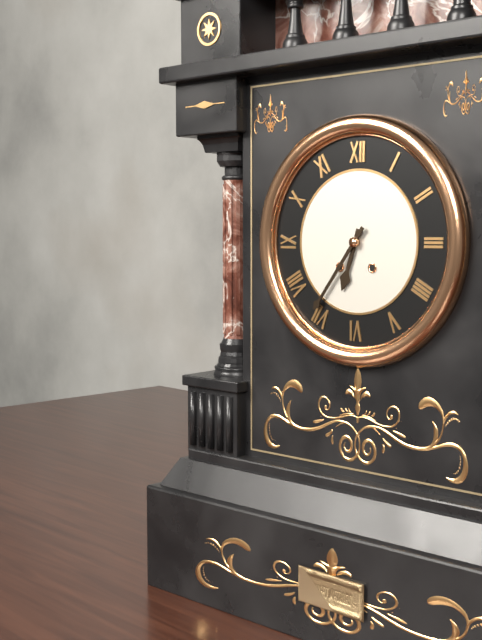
6 h 36 min
